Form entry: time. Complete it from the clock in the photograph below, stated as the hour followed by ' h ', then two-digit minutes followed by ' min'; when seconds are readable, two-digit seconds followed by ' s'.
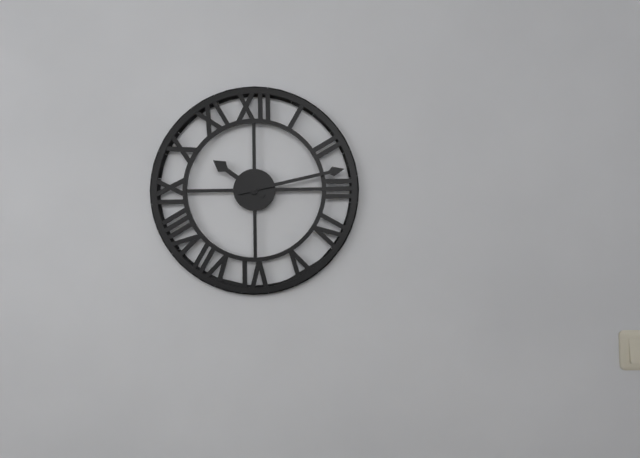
10 h 13 min
